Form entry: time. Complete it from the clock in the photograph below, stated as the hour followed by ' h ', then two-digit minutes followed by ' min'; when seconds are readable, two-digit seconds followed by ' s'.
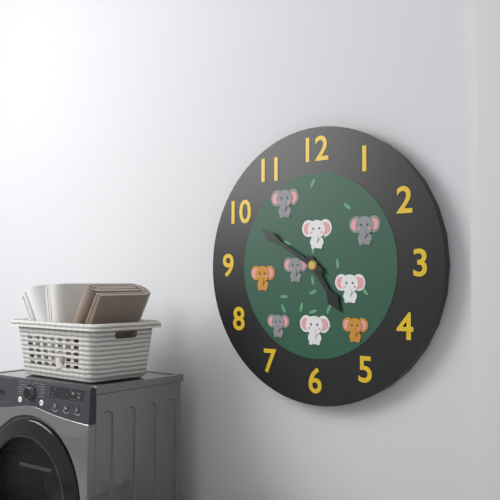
4 h 50 min
